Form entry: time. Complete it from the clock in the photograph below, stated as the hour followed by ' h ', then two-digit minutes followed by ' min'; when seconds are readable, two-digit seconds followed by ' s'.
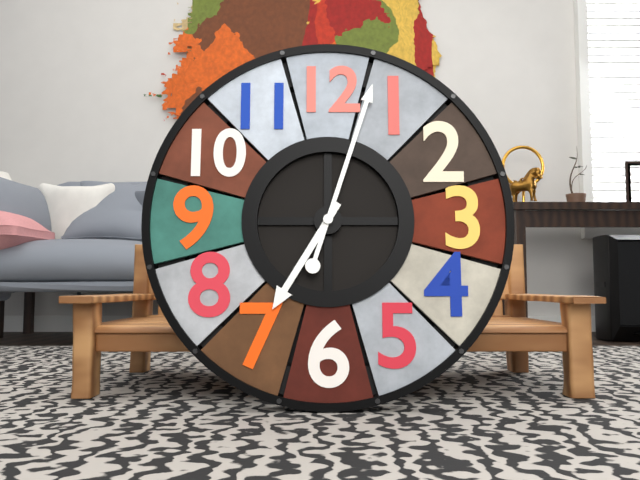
7 h 03 min
